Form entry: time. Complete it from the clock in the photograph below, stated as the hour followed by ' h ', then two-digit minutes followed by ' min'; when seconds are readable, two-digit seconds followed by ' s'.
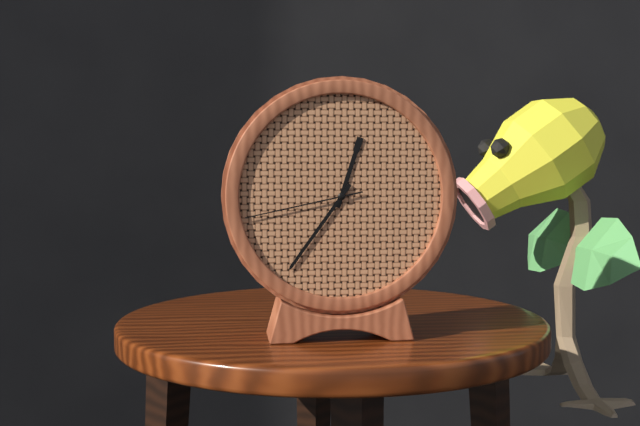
12 h 36 min 43 s
